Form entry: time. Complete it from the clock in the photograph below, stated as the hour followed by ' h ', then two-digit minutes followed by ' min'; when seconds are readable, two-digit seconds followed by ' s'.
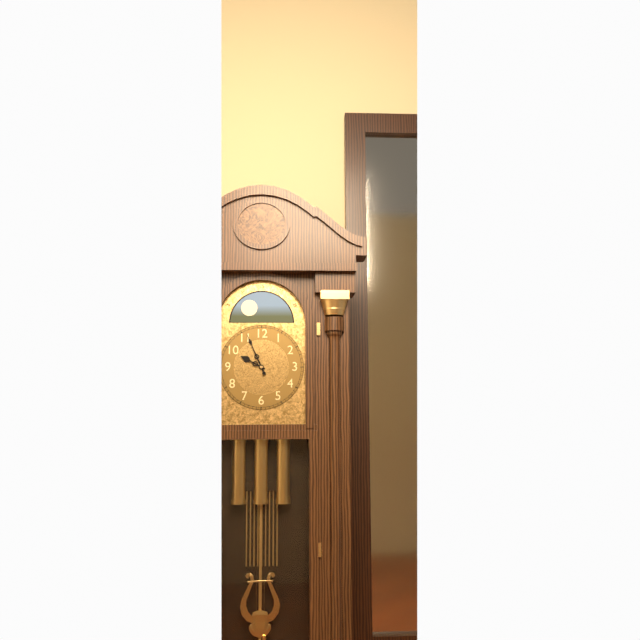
9 h 56 min
